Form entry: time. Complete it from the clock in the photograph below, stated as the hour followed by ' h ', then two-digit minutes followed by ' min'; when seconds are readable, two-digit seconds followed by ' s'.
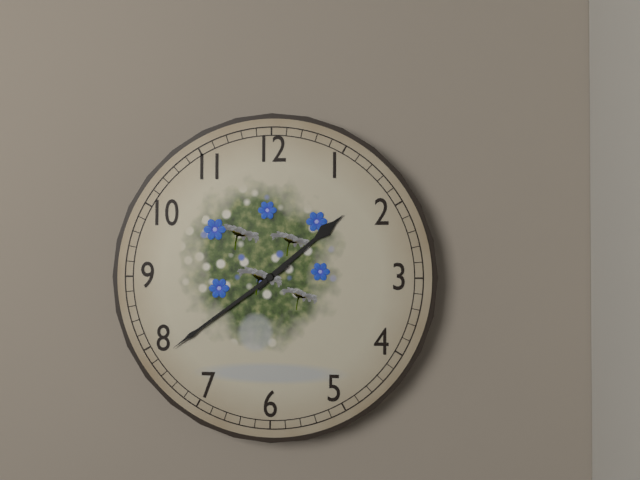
1 h 39 min
